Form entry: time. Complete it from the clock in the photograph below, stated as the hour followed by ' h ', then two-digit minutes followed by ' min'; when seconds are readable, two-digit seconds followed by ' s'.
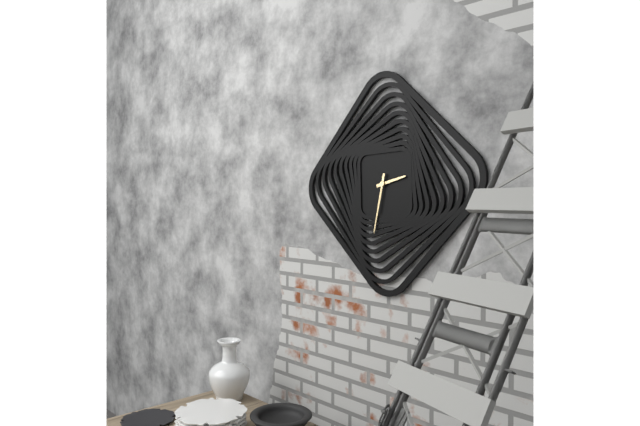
2 h 32 min
